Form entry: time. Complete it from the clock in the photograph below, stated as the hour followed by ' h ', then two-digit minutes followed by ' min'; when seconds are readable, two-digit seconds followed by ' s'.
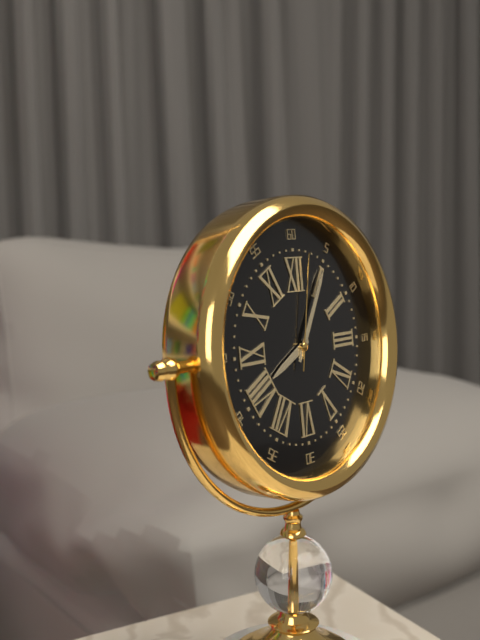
8 h 05 min 02 s
